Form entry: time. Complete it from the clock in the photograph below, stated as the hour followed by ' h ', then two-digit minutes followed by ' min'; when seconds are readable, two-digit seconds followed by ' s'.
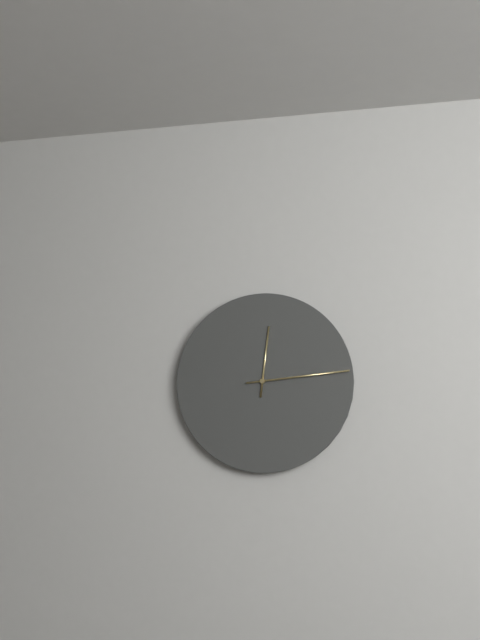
12 h 14 min
